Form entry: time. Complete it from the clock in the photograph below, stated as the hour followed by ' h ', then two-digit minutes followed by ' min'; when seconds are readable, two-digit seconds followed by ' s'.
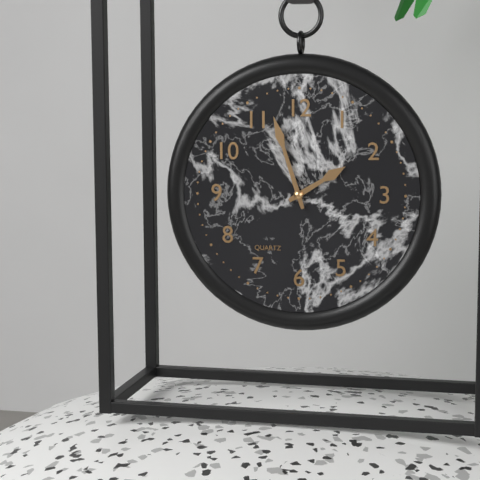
1 h 57 min
